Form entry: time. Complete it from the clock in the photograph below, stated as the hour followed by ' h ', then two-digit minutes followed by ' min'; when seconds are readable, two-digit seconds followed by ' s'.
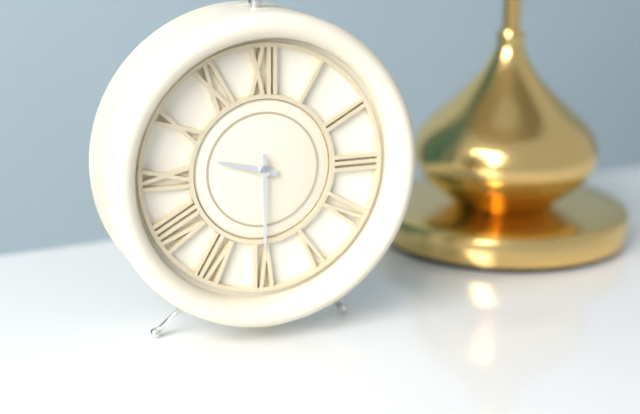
9 h 30 min
